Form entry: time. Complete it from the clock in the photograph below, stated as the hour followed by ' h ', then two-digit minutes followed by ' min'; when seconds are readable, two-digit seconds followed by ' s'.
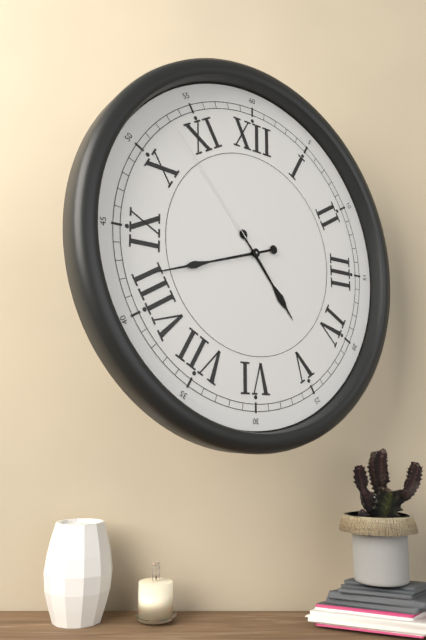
4 h 42 min 53 s
